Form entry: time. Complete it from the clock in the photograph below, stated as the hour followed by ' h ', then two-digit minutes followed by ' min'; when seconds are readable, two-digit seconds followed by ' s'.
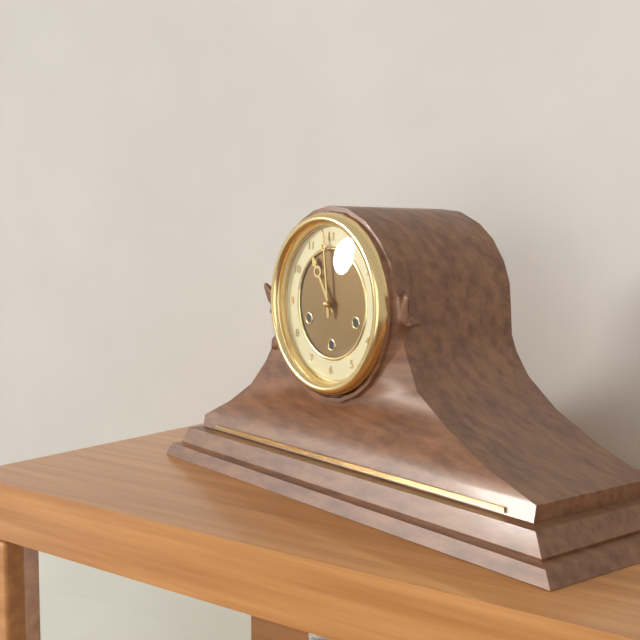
10 h 59 min
